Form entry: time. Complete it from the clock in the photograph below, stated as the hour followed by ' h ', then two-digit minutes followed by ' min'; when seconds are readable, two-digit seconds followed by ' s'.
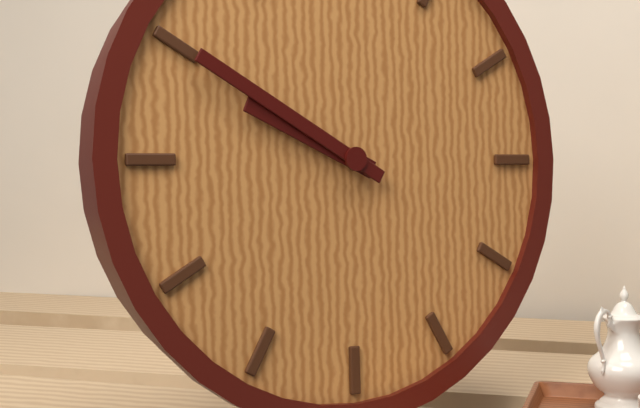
9 h 50 min
